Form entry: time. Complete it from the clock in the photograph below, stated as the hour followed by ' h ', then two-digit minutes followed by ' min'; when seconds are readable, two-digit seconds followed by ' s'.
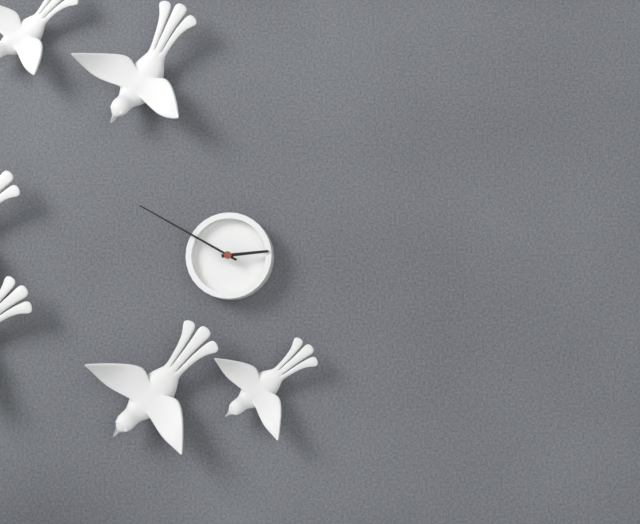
2 h 50 min
